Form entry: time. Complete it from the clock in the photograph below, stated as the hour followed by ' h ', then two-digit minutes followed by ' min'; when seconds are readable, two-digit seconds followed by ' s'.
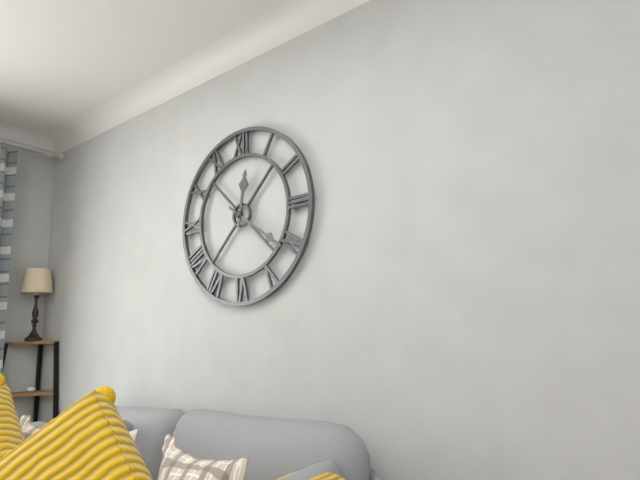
12 h 21 min
